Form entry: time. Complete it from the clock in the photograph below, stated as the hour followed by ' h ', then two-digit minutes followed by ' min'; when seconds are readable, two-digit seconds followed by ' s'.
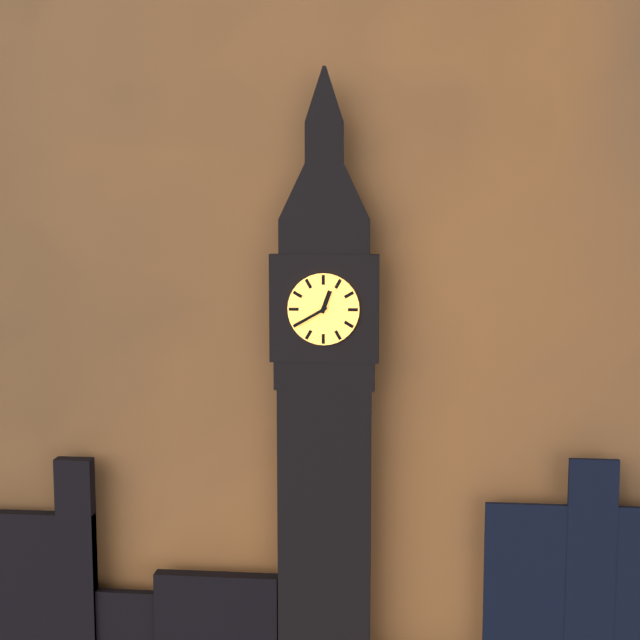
12 h 40 min
